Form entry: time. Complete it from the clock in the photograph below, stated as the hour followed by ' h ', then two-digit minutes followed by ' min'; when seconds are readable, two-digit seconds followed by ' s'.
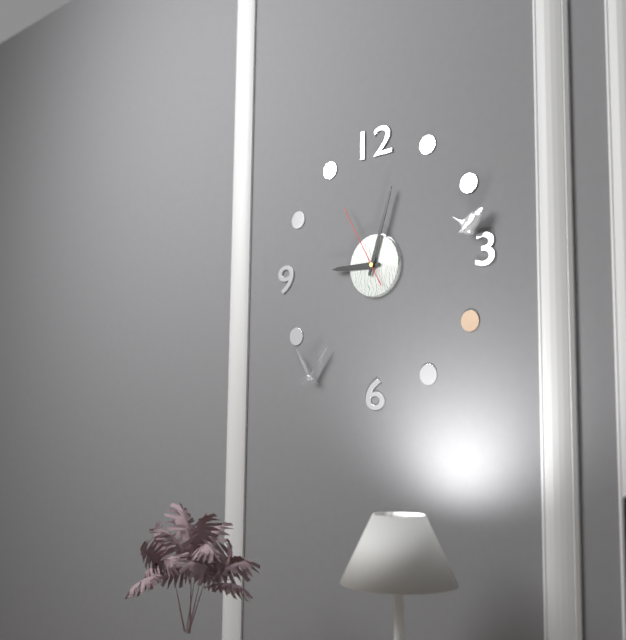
9 h 03 min 55 s
